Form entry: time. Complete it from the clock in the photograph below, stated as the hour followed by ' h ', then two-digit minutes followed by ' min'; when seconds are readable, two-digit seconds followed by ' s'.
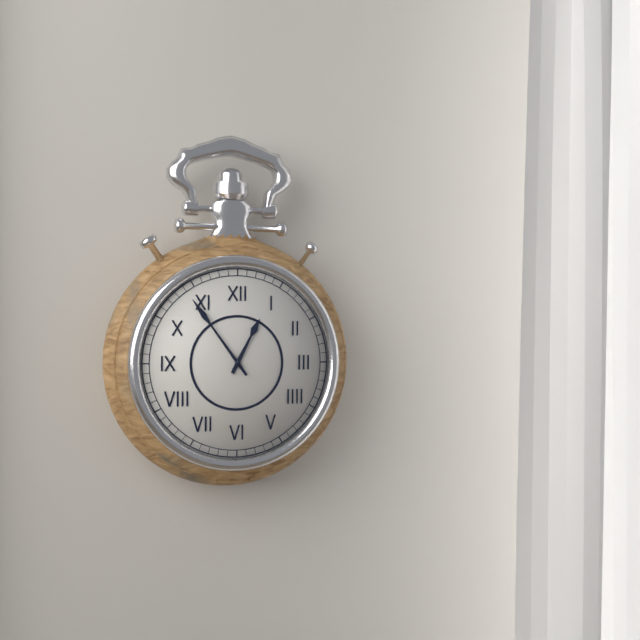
12 h 54 min
